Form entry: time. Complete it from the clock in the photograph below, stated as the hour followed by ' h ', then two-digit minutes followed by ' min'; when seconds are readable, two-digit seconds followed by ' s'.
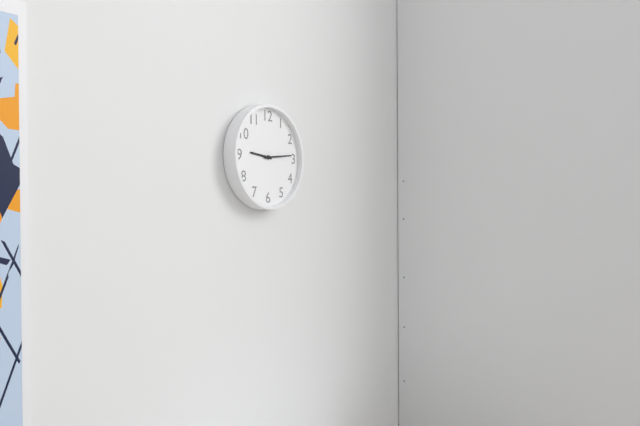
9 h 14 min
